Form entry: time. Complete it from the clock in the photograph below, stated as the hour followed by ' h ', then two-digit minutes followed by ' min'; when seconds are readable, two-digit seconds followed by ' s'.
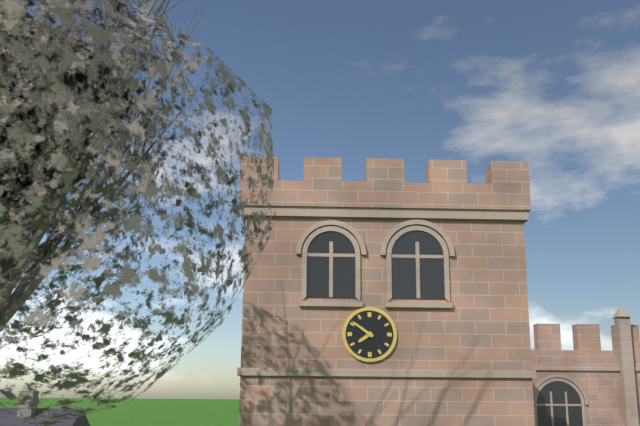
7 h 51 min
